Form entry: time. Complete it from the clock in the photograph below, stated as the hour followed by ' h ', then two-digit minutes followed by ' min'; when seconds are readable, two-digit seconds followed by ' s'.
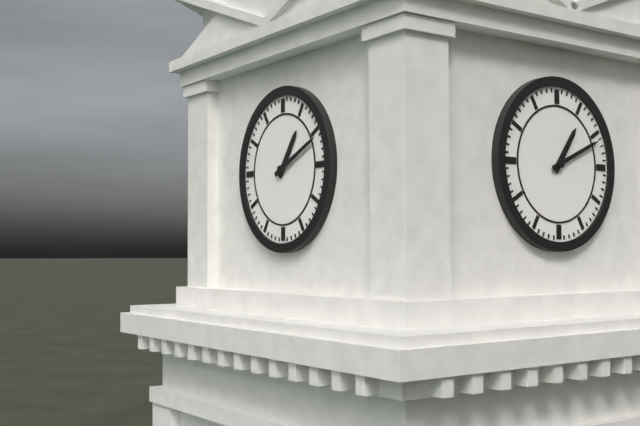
1 h 11 min
